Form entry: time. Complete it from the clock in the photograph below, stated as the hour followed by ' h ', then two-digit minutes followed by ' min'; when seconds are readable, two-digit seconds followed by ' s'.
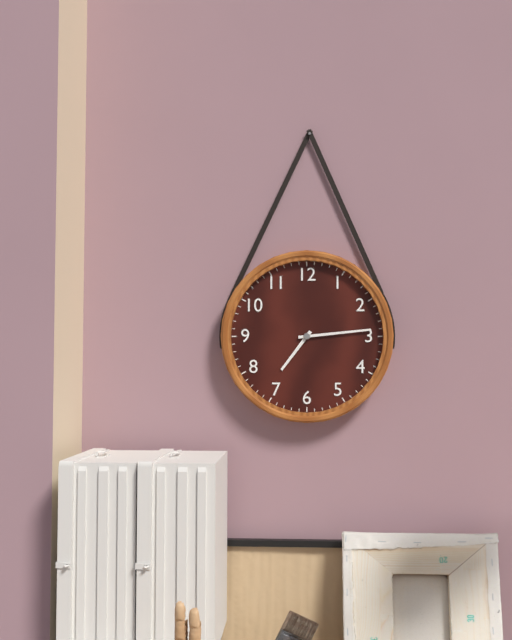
7 h 14 min
